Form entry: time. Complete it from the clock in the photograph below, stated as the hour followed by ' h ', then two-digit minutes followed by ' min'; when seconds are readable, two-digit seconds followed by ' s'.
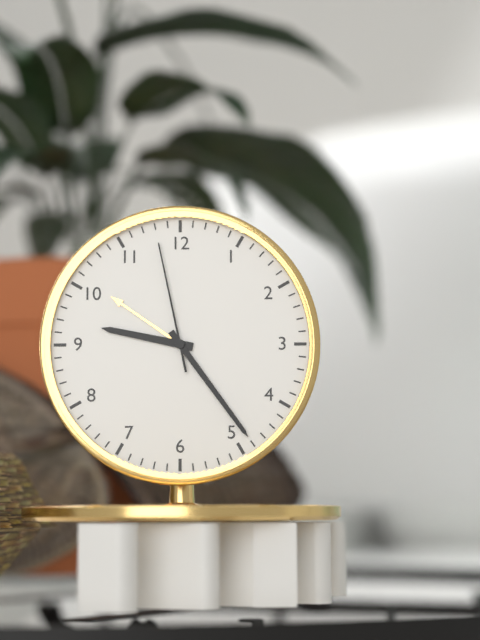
9 h 24 min 58 s
